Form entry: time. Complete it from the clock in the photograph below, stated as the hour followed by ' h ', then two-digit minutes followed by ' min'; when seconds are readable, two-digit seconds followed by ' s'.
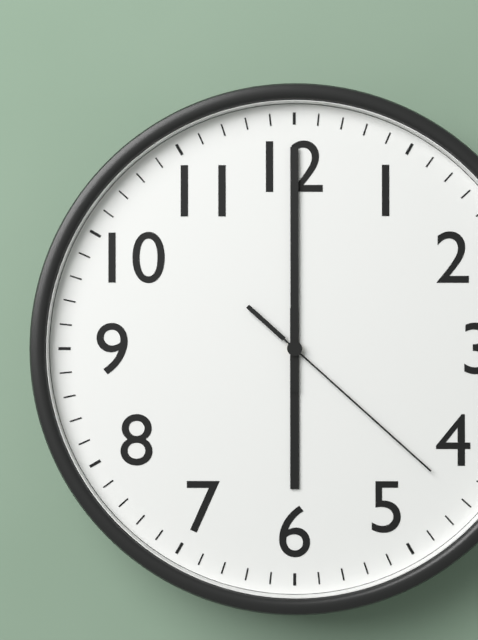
6 h 00 min 22 s
